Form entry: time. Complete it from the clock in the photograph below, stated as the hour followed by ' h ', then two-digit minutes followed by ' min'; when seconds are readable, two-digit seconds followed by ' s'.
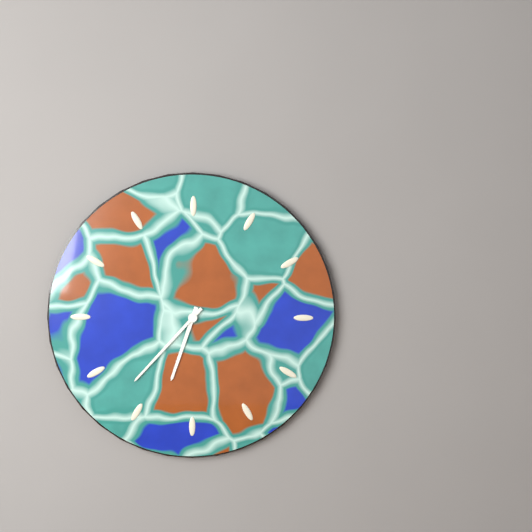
6 h 37 min
